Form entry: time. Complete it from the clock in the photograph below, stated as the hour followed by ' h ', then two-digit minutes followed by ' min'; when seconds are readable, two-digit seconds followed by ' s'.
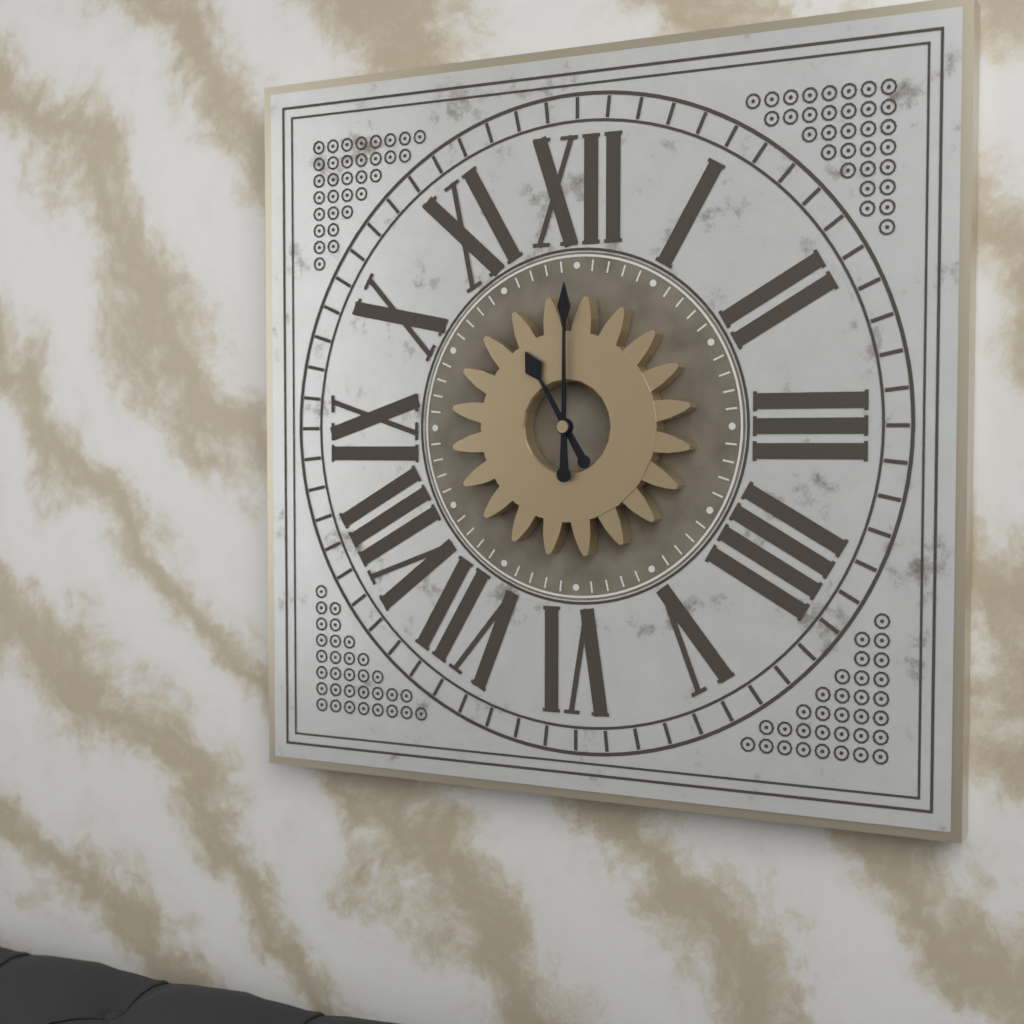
11 h 00 min
